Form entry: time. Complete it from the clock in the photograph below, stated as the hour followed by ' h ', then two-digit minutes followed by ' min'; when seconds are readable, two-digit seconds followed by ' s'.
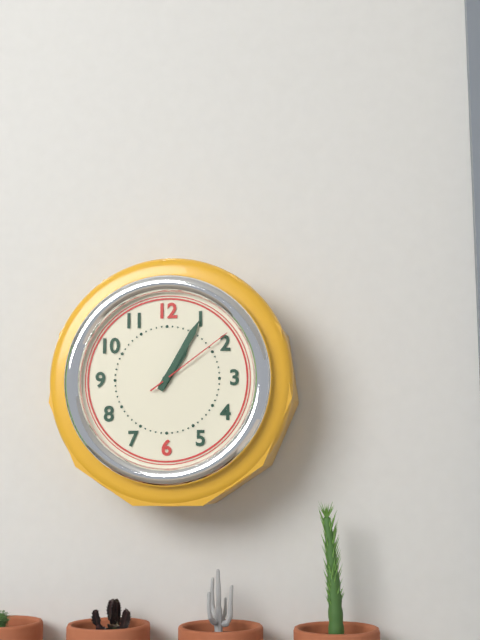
1 h 05 min 09 s
